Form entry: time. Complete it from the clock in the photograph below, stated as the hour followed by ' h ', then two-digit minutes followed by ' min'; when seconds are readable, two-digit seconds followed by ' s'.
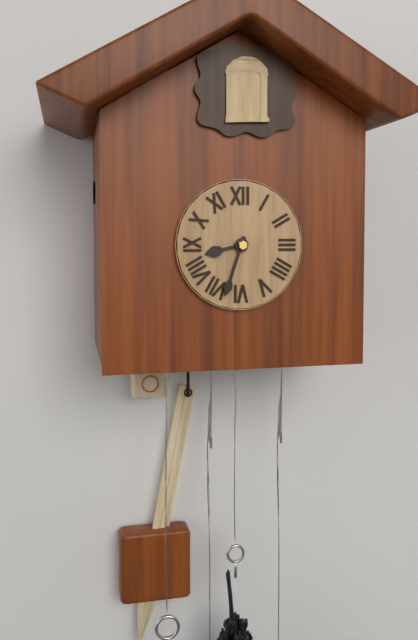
8 h 33 min
